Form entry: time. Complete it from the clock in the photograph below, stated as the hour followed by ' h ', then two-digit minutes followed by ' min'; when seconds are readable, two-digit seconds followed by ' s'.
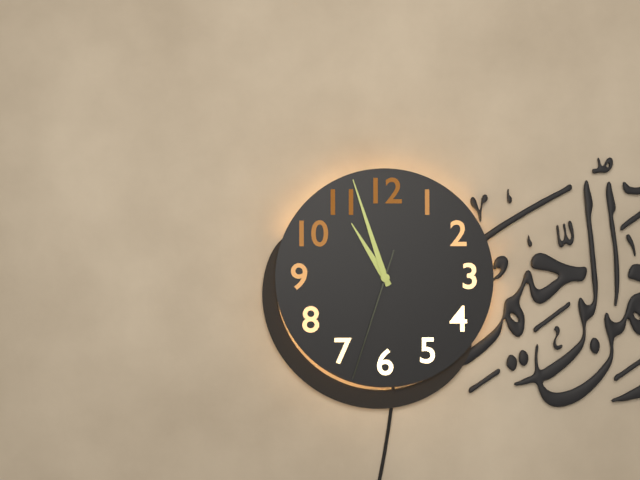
10 h 57 min 33 s
